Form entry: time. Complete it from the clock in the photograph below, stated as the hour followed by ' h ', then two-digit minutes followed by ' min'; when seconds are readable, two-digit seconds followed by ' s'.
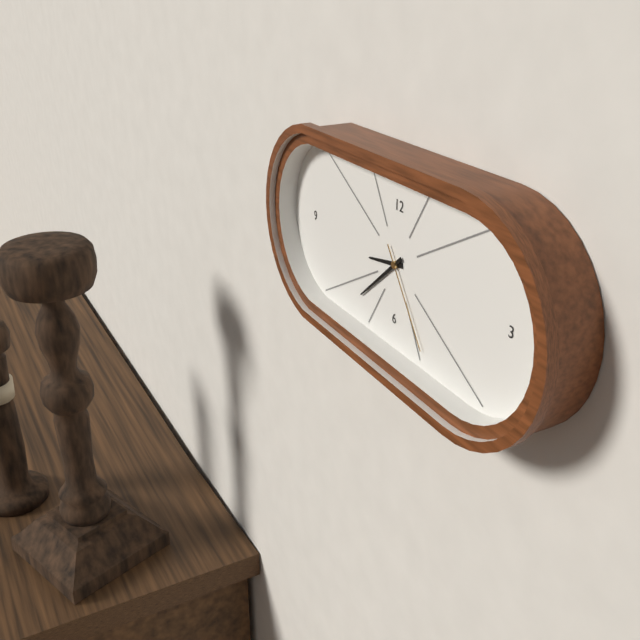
8 h 38 min 24 s
